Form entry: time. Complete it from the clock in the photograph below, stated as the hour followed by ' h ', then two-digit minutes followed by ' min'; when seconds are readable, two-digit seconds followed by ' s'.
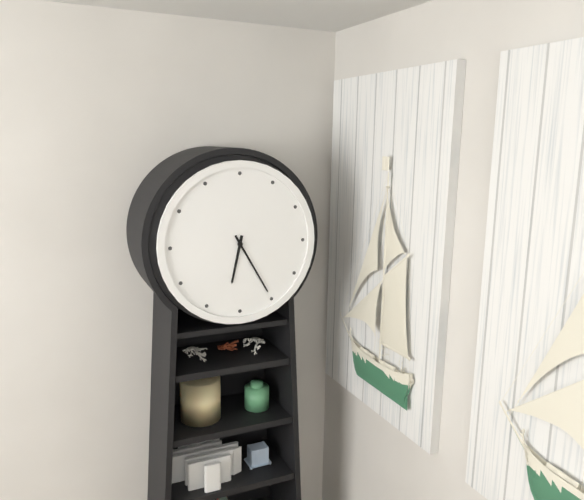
6 h 25 min
